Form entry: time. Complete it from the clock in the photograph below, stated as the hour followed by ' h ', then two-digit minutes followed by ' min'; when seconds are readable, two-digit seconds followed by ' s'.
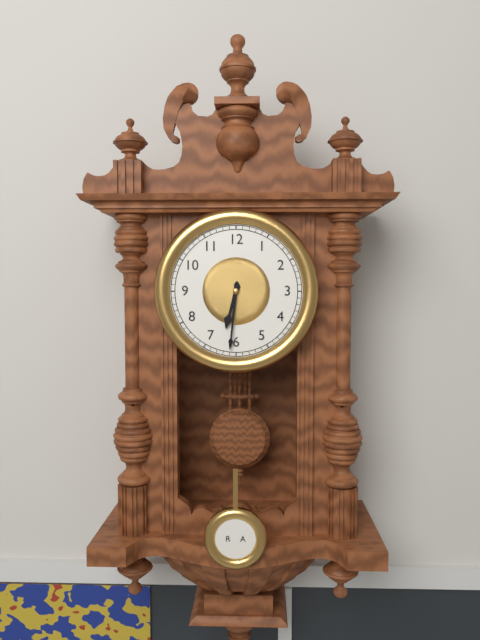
6 h 31 min
